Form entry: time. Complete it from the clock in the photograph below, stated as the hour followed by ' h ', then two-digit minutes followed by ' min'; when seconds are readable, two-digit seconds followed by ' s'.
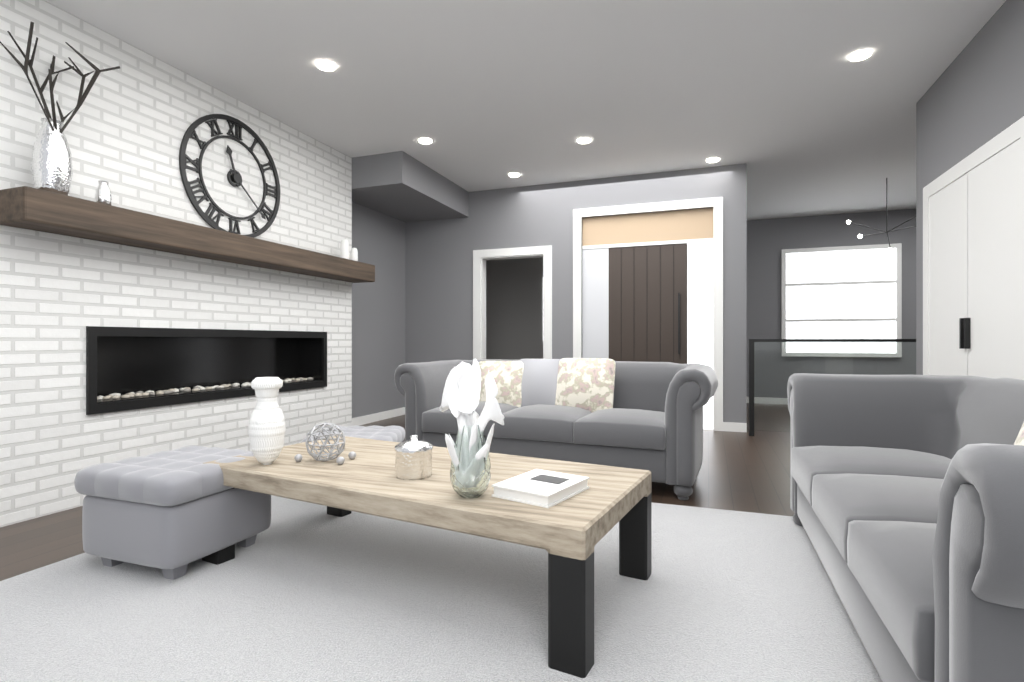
11 h 22 min
